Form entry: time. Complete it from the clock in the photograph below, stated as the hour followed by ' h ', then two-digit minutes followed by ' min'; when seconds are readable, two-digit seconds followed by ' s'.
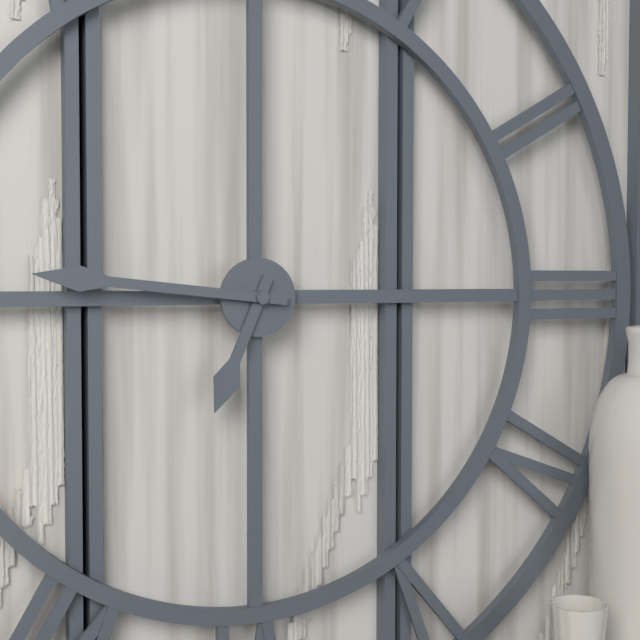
6 h 46 min
